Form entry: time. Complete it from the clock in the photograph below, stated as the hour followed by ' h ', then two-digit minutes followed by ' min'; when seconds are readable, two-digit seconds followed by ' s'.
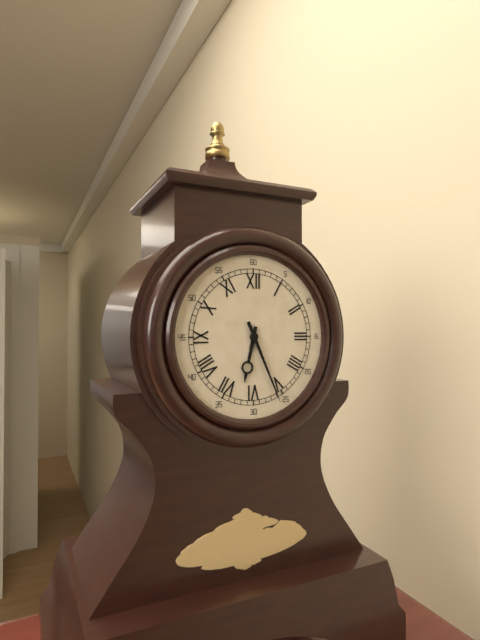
6 h 26 min
